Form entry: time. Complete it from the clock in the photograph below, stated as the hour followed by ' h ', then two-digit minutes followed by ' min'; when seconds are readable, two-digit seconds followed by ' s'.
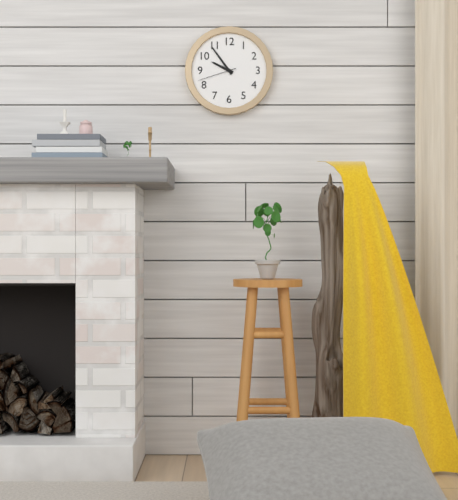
9 h 54 min
